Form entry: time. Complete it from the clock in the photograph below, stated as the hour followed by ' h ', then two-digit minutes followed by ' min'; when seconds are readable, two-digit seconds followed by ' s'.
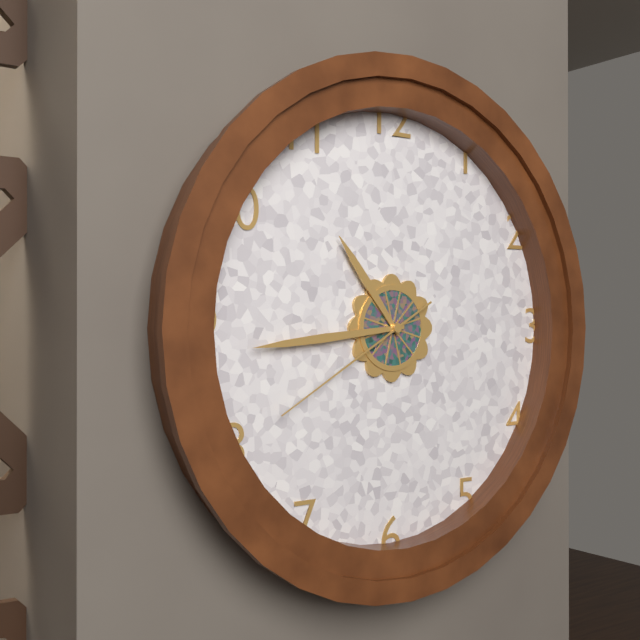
10 h 44 min 40 s
